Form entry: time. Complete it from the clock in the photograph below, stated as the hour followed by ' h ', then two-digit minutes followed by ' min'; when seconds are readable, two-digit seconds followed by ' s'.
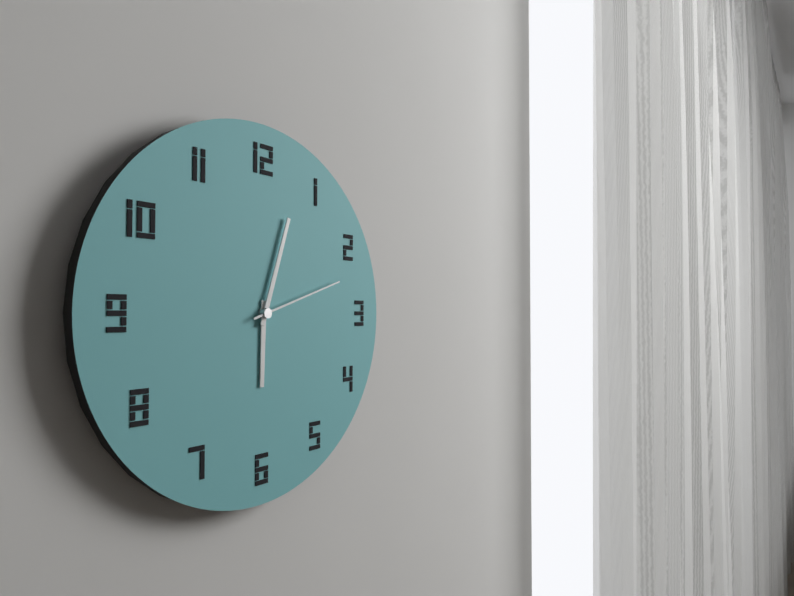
6 h 03 min 12 s
